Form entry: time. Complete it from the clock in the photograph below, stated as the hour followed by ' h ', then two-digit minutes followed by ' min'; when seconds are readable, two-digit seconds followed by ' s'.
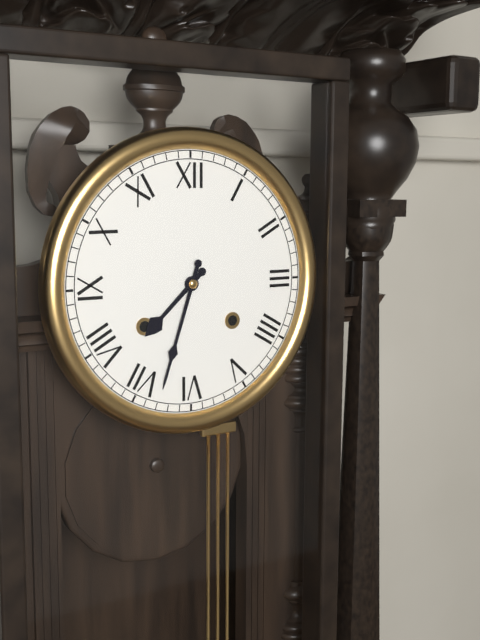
7 h 33 min
